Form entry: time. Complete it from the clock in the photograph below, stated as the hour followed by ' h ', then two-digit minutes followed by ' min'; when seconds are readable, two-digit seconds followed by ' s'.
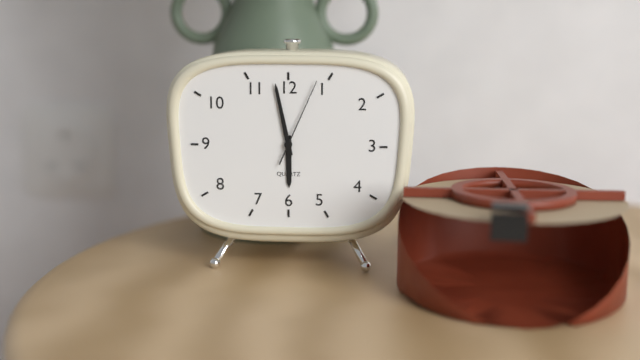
5 h 58 min 04 s
